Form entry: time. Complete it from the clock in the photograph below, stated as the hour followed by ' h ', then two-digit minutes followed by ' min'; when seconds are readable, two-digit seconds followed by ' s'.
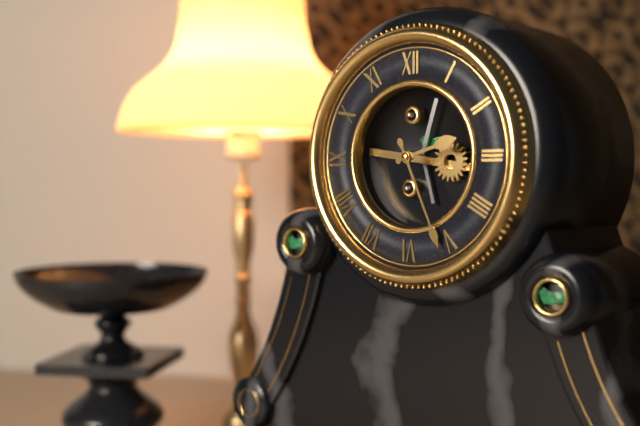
2 h 26 min
